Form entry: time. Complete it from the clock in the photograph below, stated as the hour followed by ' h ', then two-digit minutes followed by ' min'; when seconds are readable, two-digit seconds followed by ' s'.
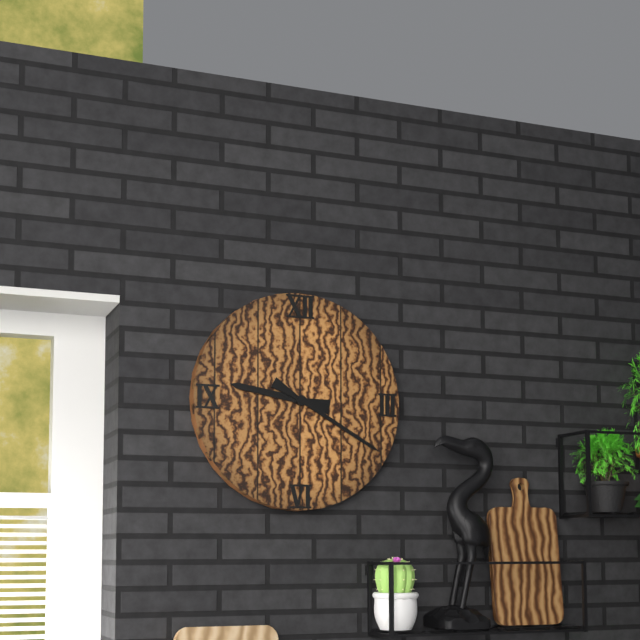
9 h 20 min
